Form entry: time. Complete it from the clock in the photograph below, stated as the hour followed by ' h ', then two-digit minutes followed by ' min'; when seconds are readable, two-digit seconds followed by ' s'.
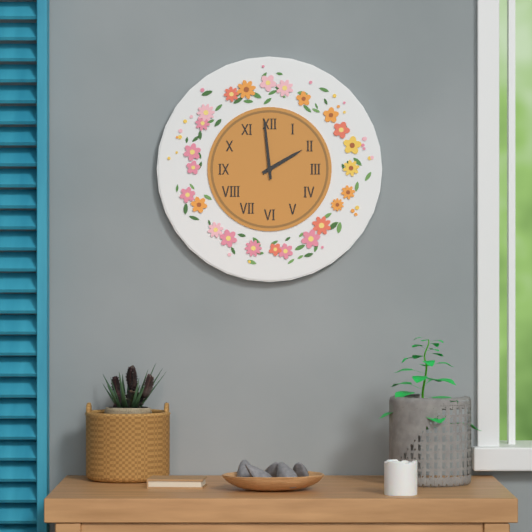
1 h 59 min
